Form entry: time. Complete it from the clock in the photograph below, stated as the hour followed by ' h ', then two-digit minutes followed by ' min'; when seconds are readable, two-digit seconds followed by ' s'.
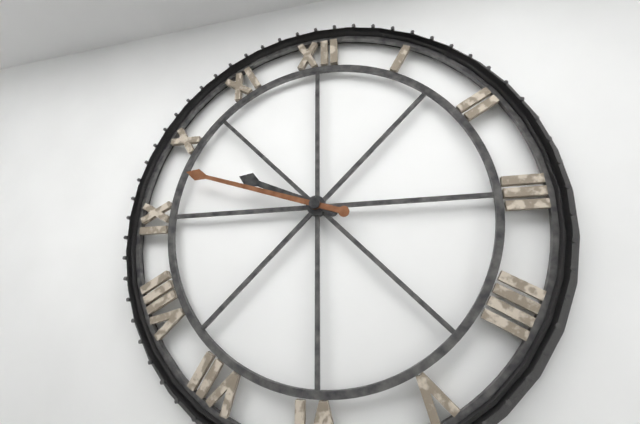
9 h 48 min
